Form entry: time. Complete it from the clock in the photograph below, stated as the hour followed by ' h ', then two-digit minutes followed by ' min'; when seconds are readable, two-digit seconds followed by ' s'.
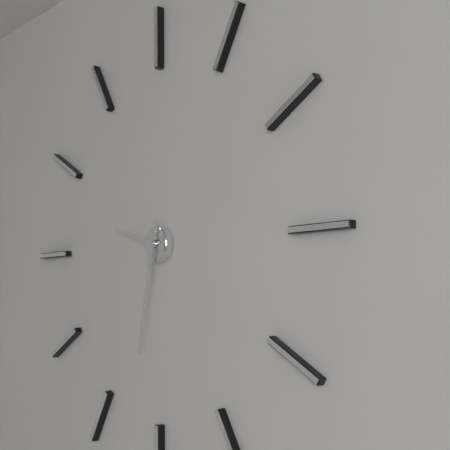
9 h 32 min
